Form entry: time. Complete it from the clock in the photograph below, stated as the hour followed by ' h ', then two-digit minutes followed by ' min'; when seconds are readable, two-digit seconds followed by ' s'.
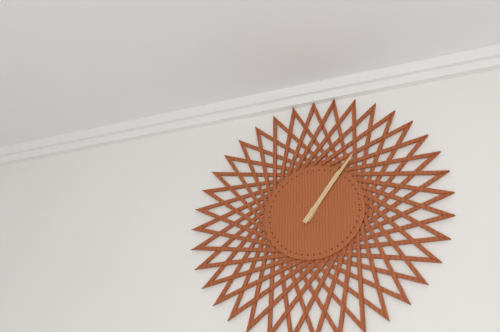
1 h 06 min
